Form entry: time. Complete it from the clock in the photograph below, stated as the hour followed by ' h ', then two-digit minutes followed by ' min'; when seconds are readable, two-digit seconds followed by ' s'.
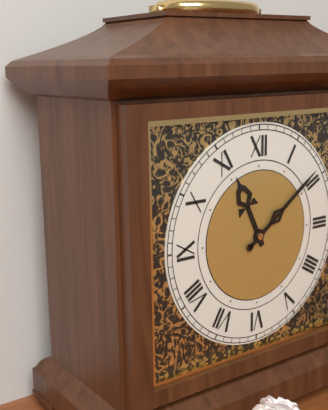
11 h 09 min
